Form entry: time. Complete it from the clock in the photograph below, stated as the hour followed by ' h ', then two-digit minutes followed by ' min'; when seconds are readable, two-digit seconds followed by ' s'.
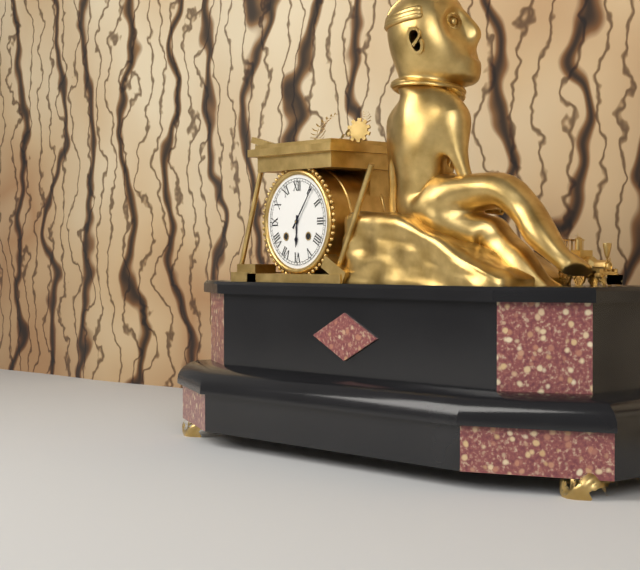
6 h 06 min
